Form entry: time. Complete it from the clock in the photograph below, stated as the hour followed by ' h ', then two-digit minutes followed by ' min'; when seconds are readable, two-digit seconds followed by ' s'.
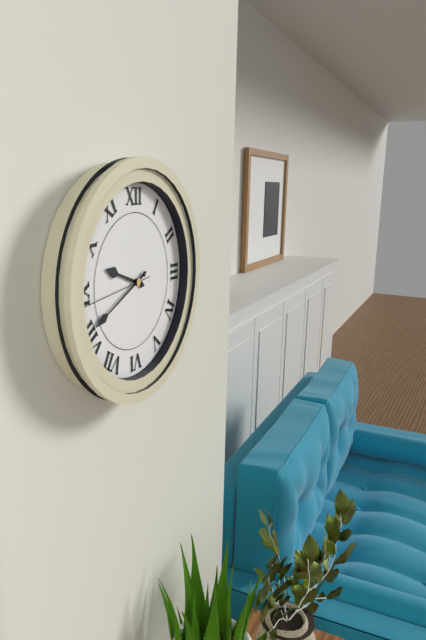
9 h 41 min 44 s
